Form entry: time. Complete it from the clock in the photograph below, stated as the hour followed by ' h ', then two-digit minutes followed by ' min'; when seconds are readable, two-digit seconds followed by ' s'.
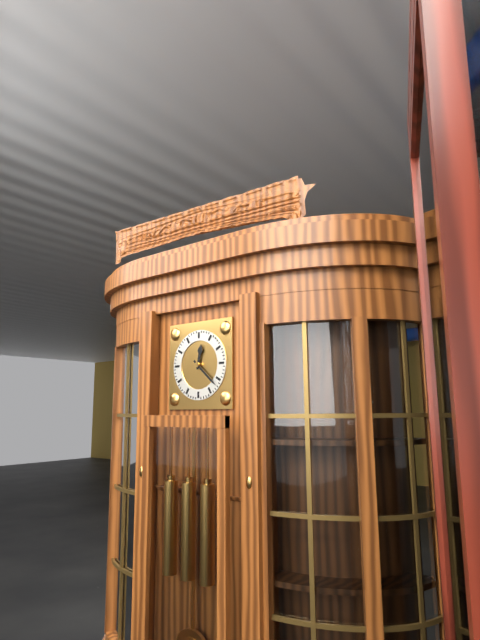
12 h 22 min
